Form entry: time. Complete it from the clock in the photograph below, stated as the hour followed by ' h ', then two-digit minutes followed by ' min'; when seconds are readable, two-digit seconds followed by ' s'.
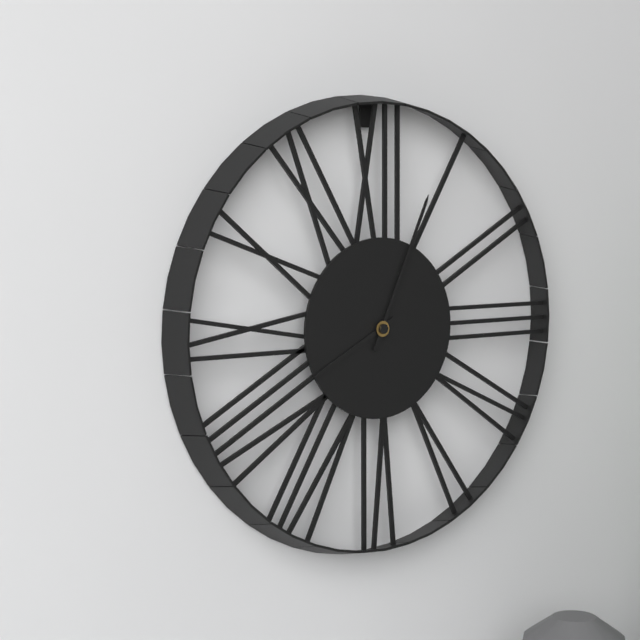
8 h 04 min
